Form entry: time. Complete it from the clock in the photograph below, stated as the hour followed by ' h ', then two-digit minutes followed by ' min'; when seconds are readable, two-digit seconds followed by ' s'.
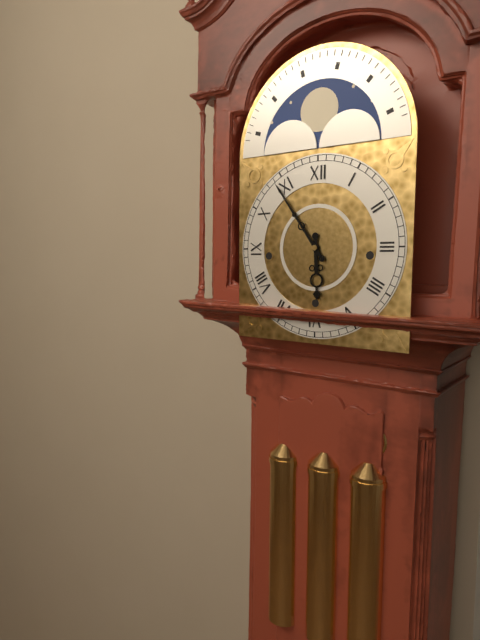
5 h 54 min
